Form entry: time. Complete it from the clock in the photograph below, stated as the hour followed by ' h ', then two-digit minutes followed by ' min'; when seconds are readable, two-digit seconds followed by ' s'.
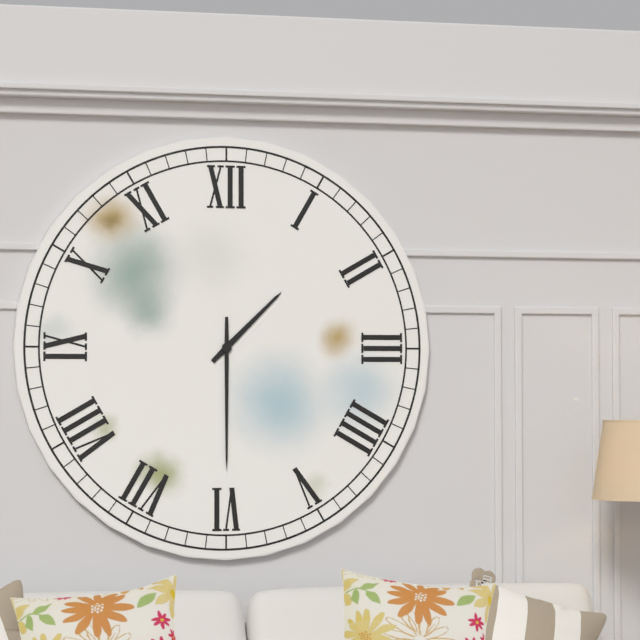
1 h 30 min
